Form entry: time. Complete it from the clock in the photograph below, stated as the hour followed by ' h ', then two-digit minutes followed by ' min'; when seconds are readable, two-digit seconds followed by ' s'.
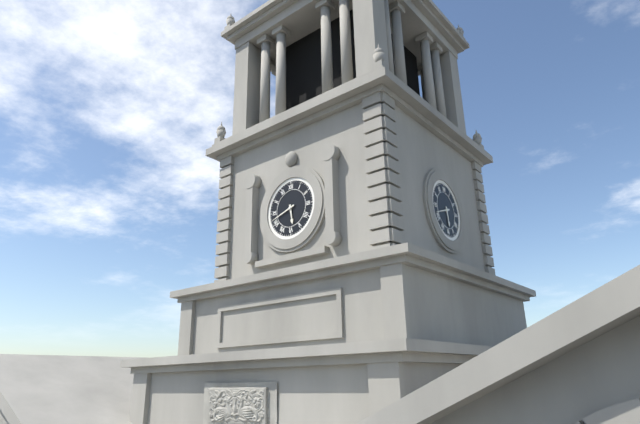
5 h 42 min
